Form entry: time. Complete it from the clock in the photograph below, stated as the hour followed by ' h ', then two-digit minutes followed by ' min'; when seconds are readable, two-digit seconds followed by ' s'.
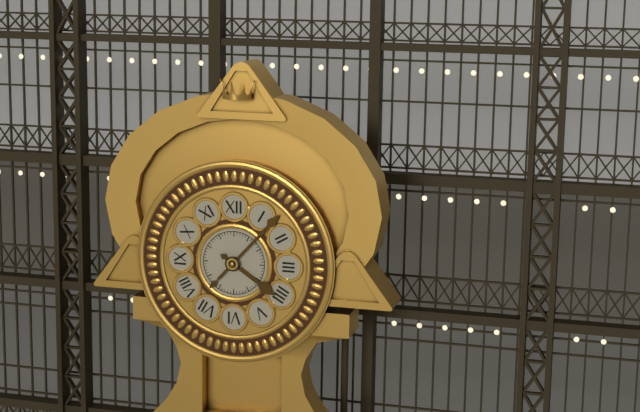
4 h 07 min
